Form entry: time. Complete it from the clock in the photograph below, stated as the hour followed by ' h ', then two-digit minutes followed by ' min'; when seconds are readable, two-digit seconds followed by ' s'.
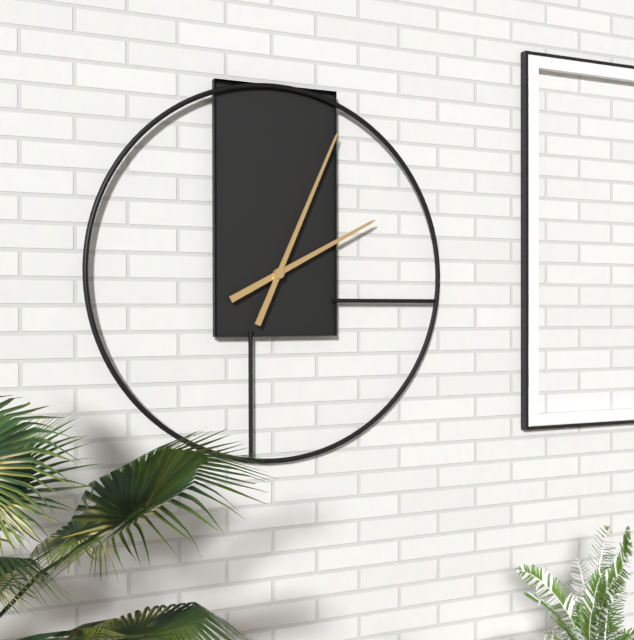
2 h 04 min
